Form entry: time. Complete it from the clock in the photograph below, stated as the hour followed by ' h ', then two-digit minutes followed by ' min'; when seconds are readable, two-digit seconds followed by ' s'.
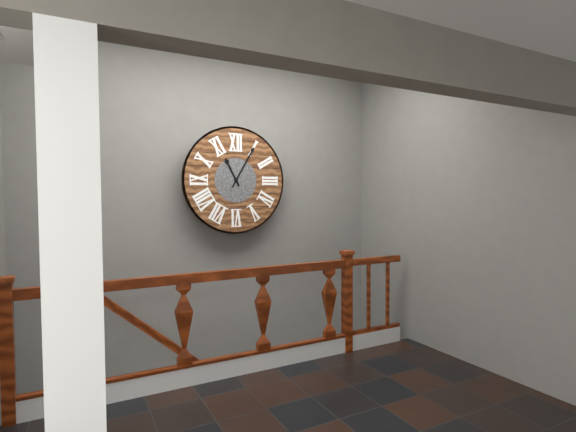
11 h 05 min
